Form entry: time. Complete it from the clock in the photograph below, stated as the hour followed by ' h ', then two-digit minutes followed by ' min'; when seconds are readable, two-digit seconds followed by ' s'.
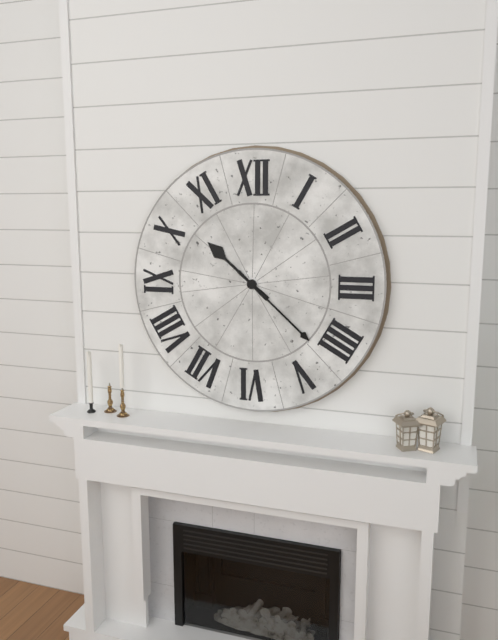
10 h 22 min
